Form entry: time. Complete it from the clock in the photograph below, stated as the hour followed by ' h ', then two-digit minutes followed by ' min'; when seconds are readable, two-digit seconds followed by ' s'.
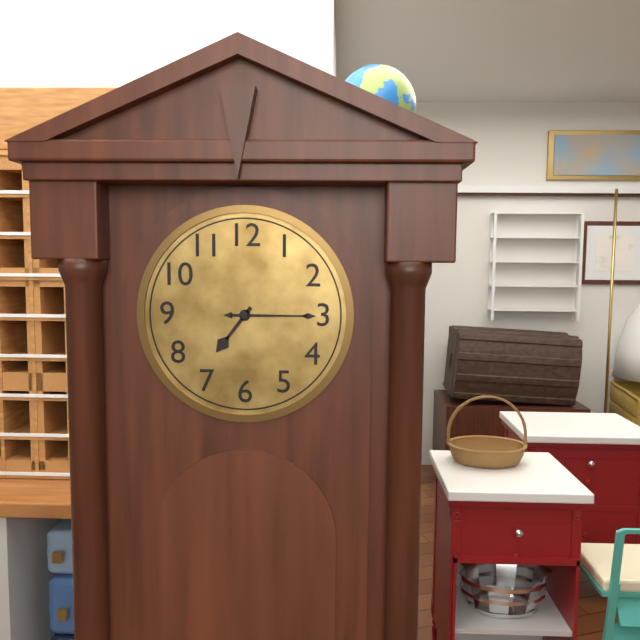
7 h 15 min
